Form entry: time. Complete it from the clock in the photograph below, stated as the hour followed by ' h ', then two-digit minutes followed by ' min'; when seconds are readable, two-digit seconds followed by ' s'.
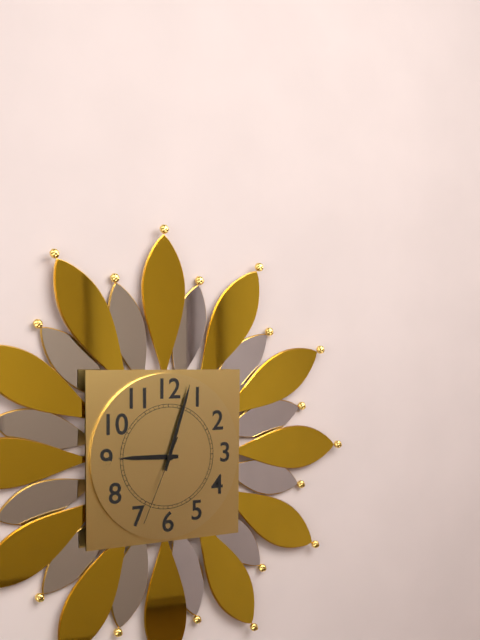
9 h 03 min 34 s
